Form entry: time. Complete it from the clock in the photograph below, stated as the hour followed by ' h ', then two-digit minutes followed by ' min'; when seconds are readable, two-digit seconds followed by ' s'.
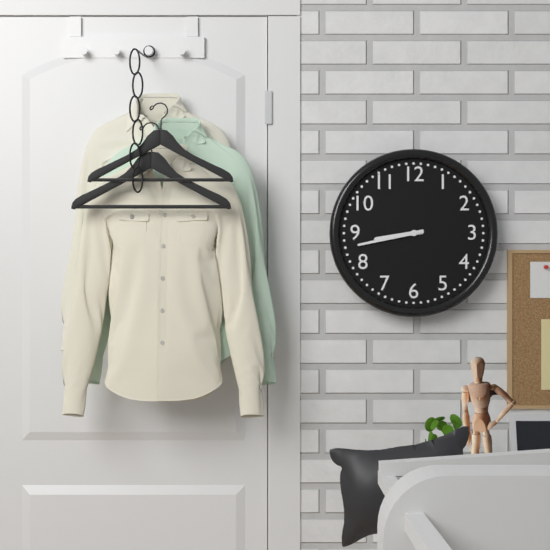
8 h 43 min
